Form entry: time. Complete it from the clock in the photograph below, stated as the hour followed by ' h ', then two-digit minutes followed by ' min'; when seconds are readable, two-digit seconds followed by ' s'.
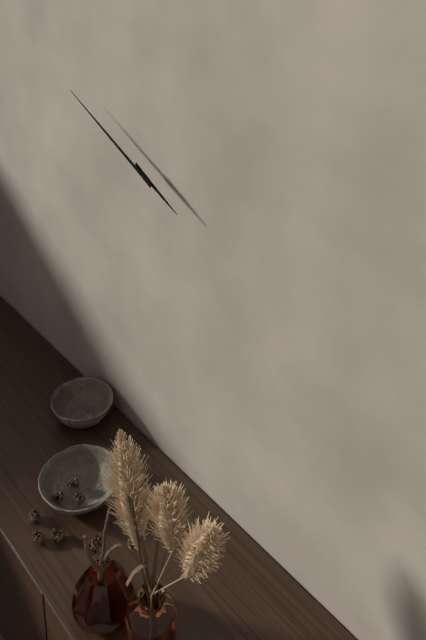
3 h 49 min
